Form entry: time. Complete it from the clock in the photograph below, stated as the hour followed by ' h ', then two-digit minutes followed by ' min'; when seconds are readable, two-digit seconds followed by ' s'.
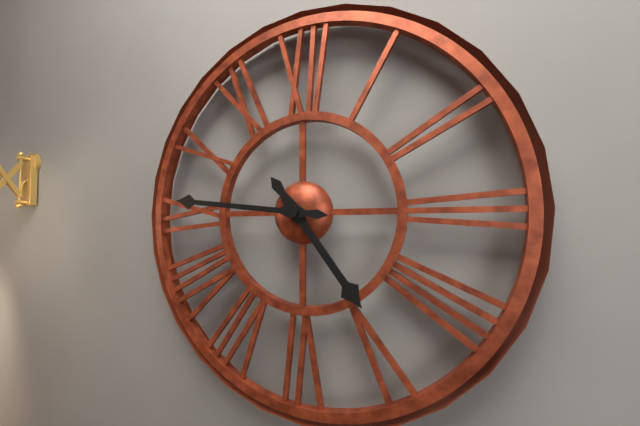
4 h 46 min
